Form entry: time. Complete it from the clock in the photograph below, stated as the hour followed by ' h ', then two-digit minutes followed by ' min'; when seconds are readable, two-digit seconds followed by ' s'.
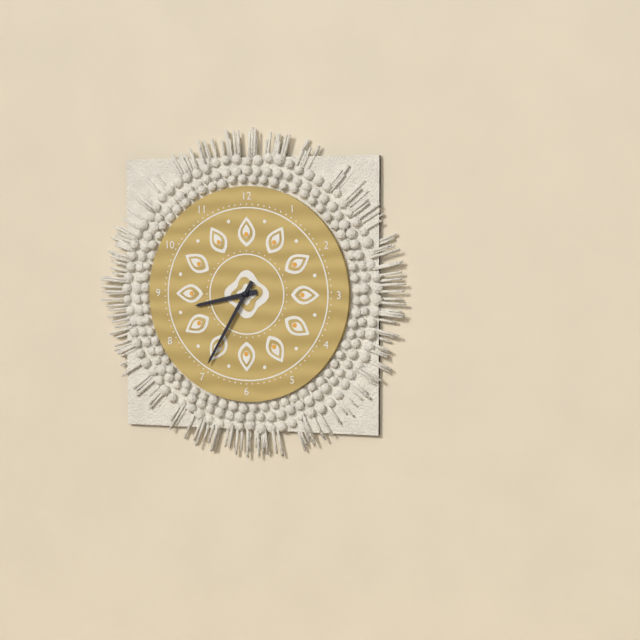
8 h 35 min
